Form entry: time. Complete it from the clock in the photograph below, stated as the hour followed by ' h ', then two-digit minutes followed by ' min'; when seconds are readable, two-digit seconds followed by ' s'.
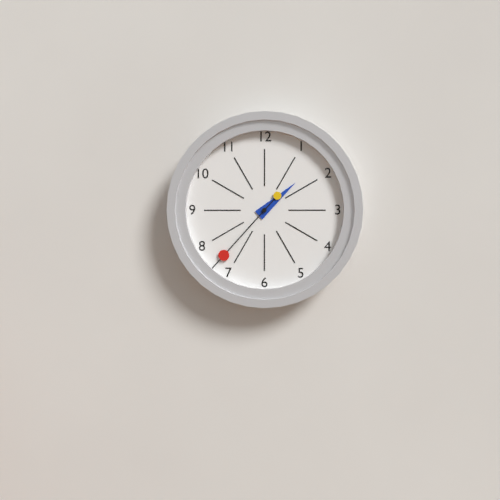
1 h 37 min
